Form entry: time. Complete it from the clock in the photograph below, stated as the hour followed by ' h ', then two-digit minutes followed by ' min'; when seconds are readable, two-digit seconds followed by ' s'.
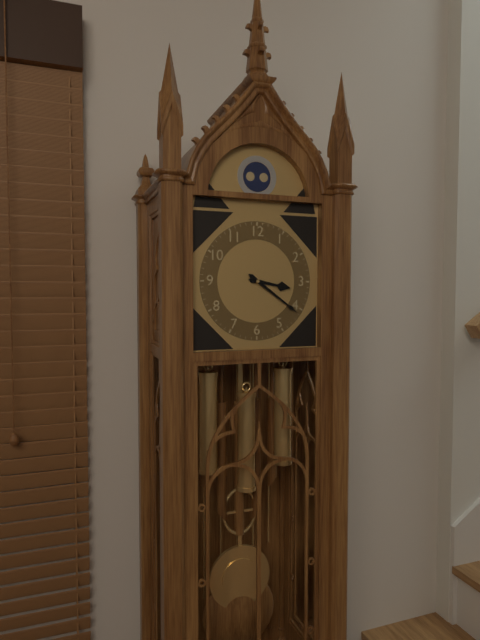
3 h 21 min
